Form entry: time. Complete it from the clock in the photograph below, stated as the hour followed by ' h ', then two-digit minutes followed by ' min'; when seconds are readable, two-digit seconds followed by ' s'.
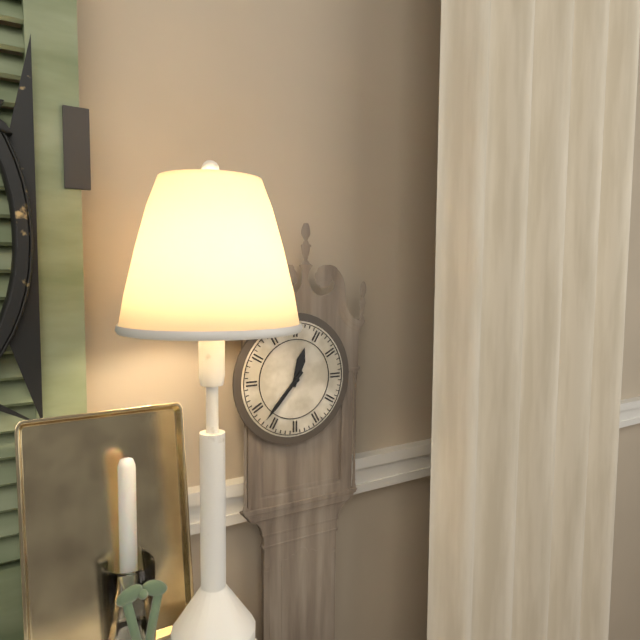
12 h 37 min
